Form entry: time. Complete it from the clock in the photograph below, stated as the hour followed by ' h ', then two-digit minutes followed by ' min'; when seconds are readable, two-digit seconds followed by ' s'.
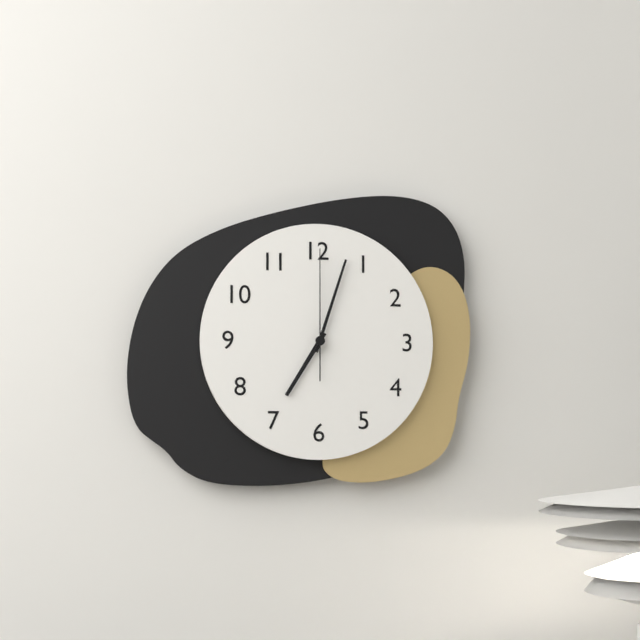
7 h 03 min 00 s
